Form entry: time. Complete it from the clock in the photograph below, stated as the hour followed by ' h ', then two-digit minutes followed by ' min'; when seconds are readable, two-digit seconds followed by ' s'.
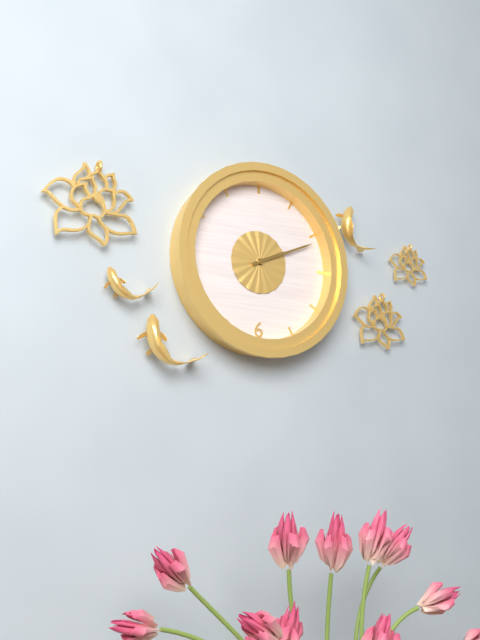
2 h 11 min
